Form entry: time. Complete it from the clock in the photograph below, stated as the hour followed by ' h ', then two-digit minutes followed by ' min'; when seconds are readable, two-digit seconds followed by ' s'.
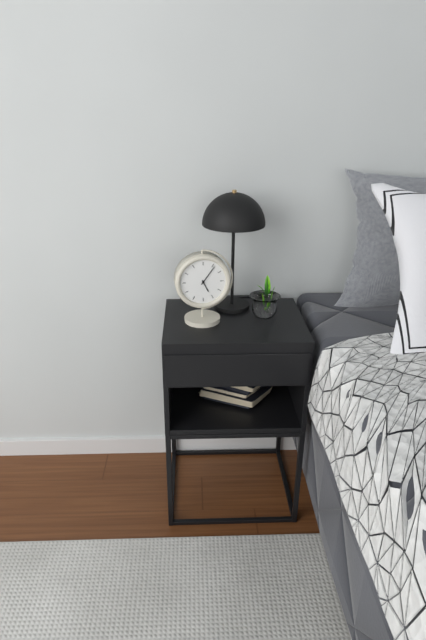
5 h 06 min
